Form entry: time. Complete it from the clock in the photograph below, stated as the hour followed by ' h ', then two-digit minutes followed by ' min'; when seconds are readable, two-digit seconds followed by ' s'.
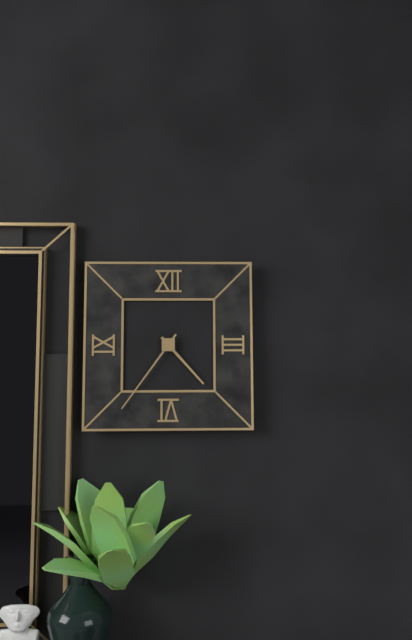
4 h 36 min
